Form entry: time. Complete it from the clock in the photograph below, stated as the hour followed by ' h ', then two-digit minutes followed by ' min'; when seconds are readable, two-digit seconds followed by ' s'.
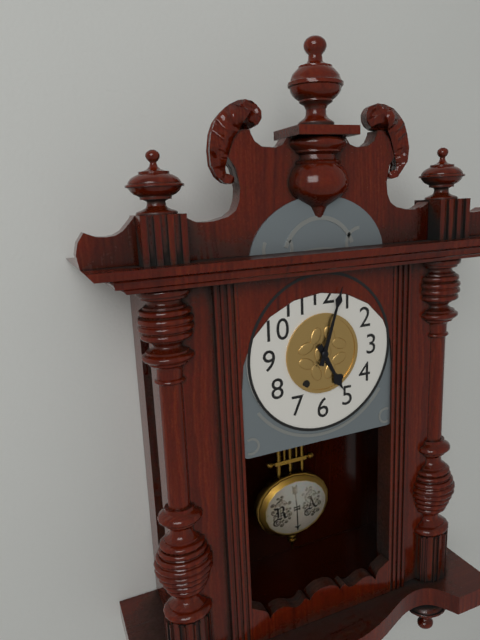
5 h 03 min
